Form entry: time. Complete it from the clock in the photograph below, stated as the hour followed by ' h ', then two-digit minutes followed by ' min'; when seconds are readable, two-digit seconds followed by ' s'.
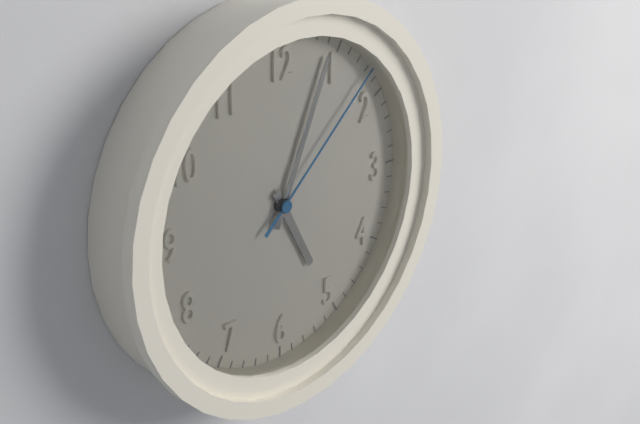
5 h 04 min 08 s
